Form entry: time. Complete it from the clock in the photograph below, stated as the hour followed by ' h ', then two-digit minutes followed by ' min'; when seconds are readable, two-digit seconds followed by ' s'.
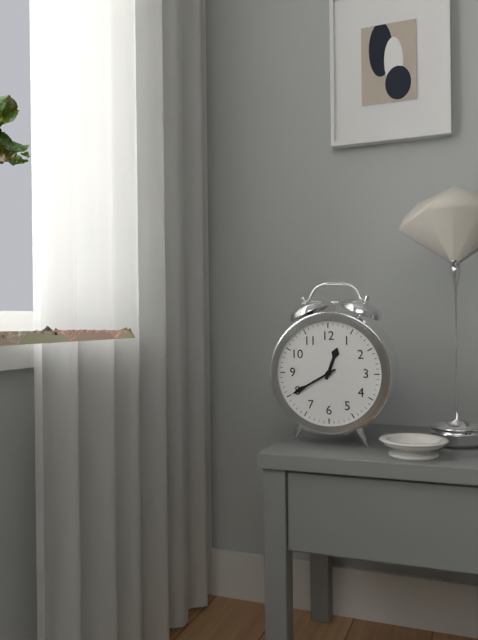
12 h 40 min
